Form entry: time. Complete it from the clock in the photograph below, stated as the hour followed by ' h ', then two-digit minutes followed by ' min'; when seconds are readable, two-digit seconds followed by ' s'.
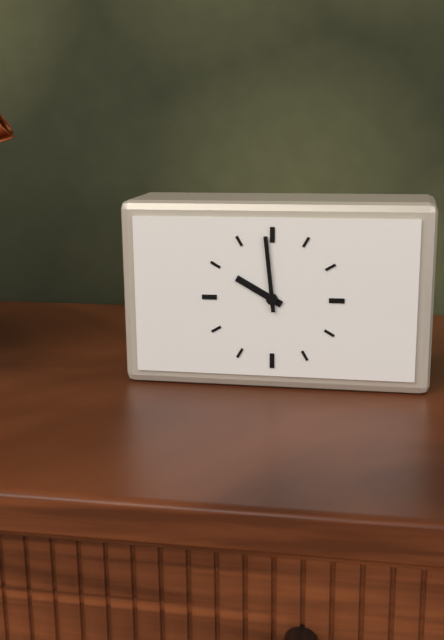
9 h 59 min
